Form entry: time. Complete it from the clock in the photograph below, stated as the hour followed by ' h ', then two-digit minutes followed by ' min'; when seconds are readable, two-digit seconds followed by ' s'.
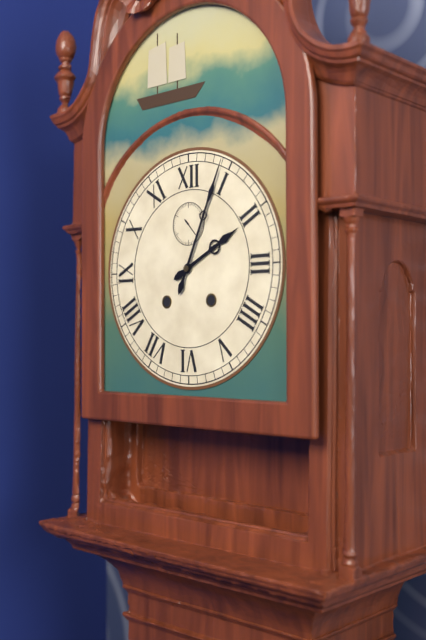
2 h 04 min
